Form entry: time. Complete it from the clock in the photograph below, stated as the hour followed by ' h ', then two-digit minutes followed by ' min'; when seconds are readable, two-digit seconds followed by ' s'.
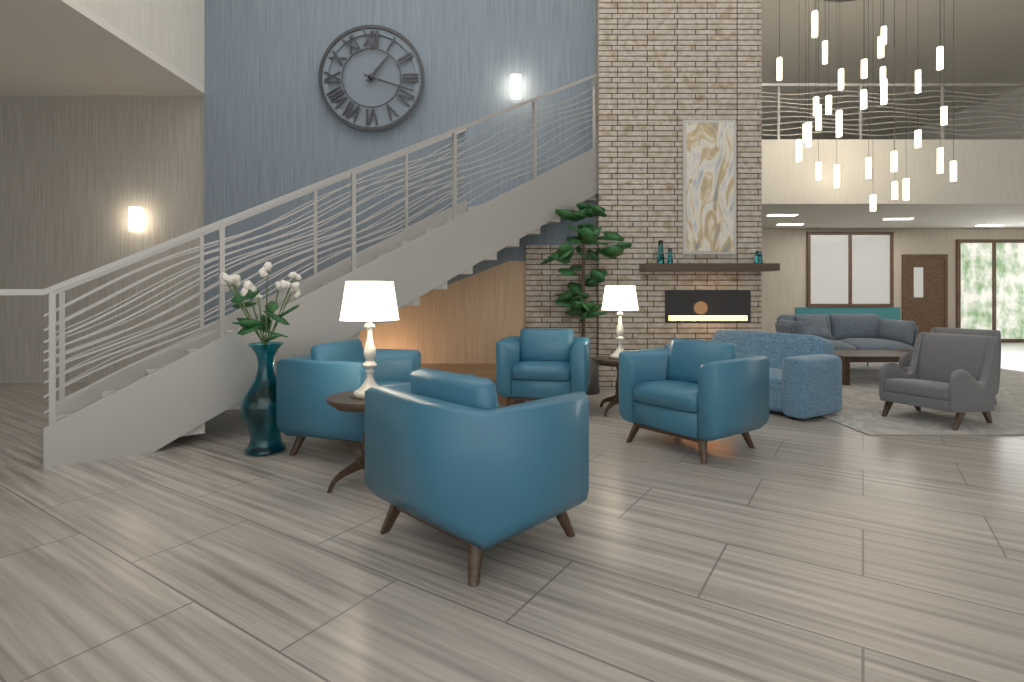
1 h 18 min
